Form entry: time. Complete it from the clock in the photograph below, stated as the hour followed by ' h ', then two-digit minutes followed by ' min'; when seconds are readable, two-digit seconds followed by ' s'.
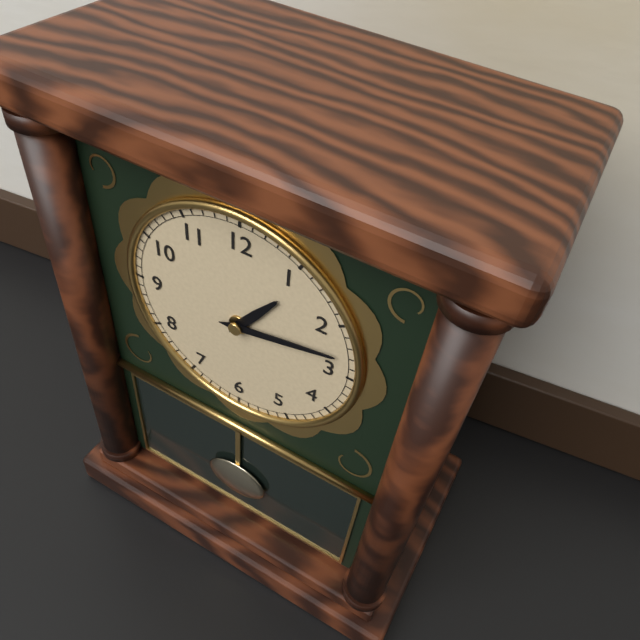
1 h 13 min
